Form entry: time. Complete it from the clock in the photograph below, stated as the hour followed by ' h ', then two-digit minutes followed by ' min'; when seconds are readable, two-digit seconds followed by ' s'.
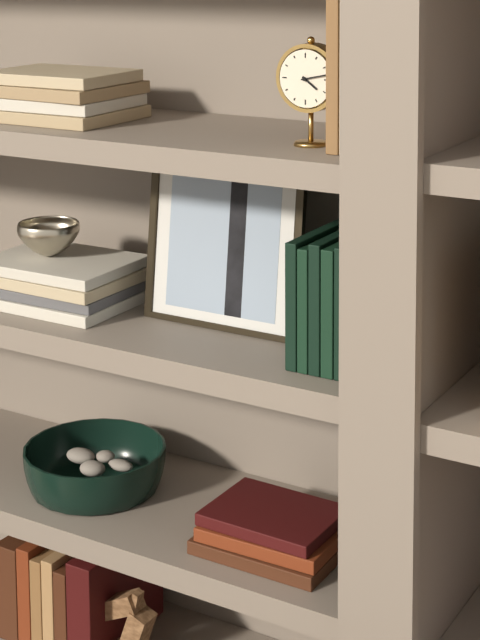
4 h 13 min
